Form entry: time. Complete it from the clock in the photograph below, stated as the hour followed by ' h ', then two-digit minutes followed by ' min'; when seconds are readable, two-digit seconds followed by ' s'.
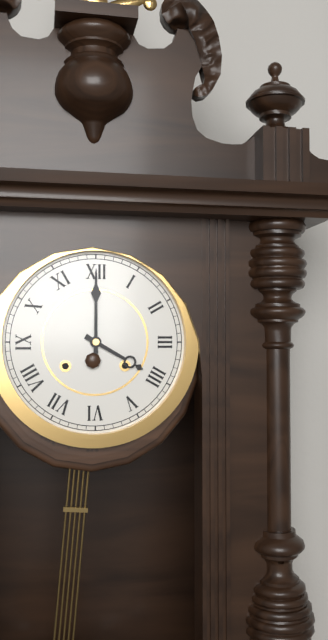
4 h 00 min
